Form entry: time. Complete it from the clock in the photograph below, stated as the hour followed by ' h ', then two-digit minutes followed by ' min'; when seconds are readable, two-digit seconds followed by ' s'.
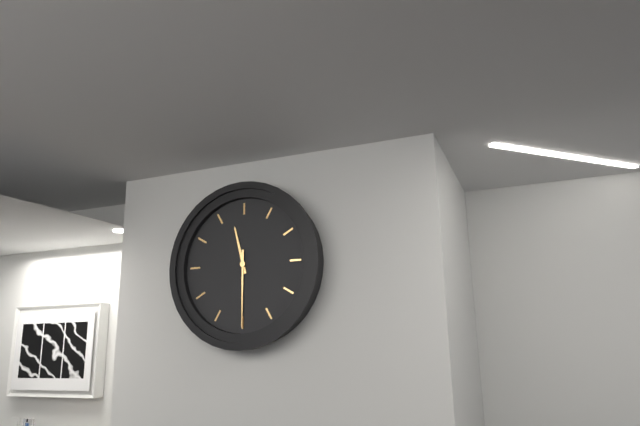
11 h 30 min
